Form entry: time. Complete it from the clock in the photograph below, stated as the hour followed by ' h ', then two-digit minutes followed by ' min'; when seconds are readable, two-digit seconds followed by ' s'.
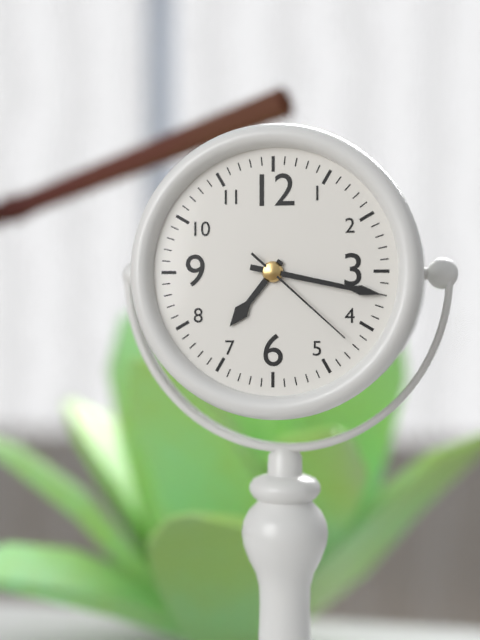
7 h 17 min 22 s
